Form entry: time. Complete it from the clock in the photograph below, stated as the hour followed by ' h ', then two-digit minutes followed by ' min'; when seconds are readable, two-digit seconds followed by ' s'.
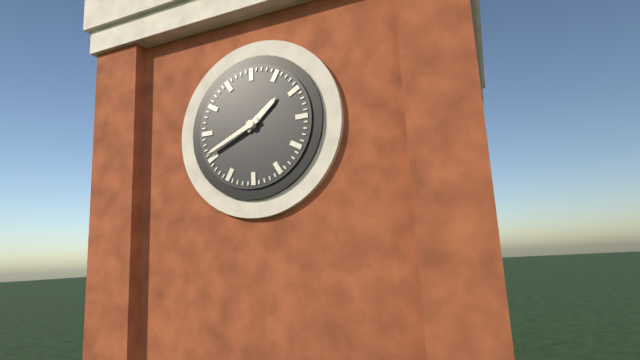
1 h 41 min
